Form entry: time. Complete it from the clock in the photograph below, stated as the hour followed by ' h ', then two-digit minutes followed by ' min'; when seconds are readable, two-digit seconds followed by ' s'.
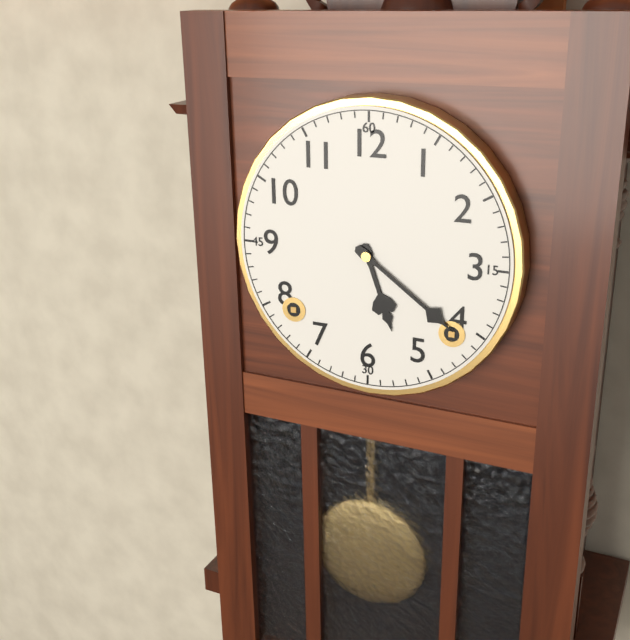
5 h 21 min
